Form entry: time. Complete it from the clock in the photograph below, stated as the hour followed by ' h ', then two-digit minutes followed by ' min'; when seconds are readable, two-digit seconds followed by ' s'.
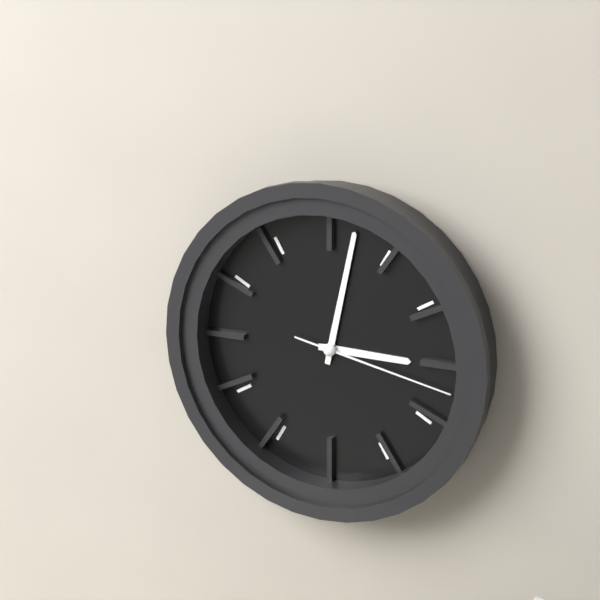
3 h 02 min 17 s
